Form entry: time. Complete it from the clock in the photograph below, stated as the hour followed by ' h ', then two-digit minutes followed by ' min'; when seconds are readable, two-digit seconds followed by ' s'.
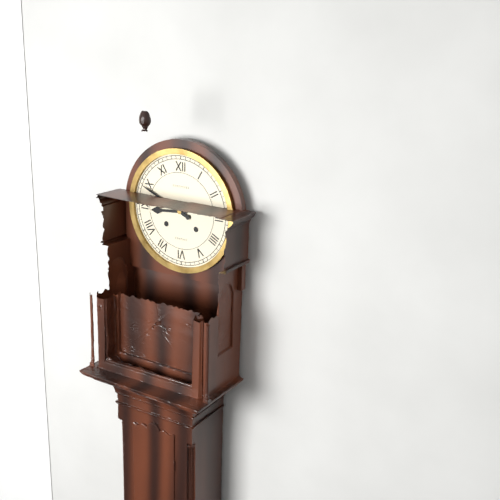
8 h 49 min
